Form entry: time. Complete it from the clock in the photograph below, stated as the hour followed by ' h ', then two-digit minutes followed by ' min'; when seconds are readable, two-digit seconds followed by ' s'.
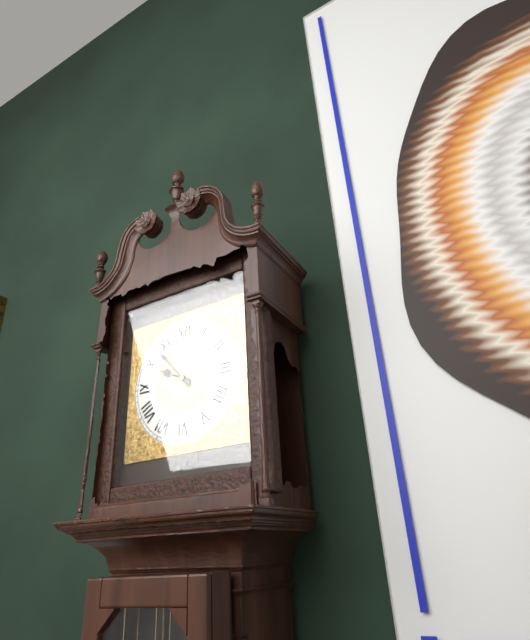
9 h 53 min
